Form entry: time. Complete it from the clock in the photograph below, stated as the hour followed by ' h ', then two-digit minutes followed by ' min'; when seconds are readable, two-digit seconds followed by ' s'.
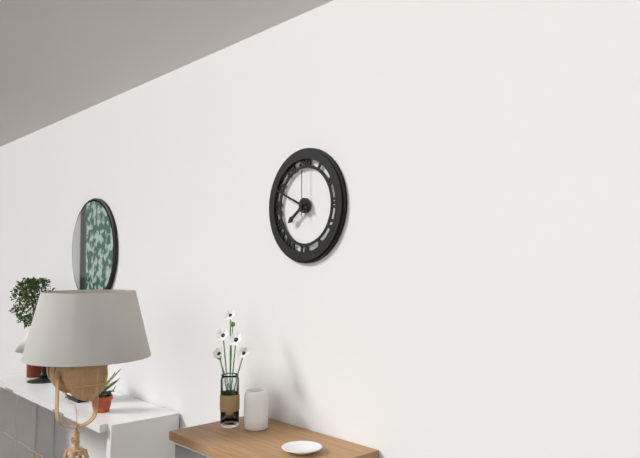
7 h 49 min 00 s
